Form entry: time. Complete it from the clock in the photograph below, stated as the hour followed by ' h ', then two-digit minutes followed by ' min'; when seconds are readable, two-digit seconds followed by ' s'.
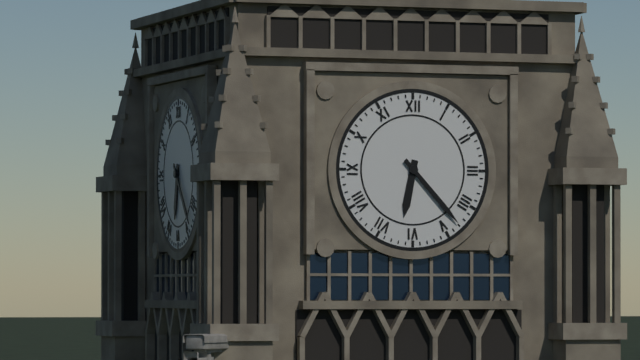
6 h 23 min
